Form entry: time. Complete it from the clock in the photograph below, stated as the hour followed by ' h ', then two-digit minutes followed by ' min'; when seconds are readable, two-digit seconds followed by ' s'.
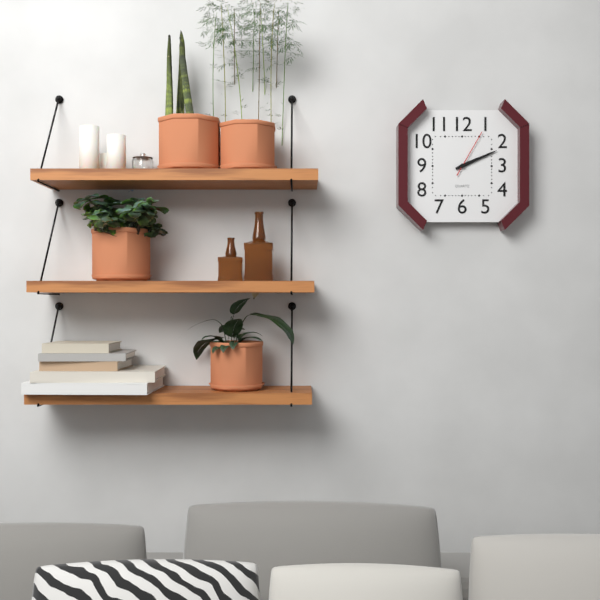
2 h 11 min
